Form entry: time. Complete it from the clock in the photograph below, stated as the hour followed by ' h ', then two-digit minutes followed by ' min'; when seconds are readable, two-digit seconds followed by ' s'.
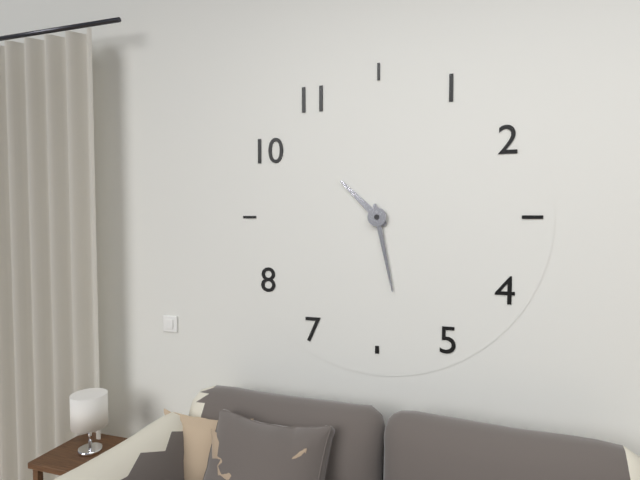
10 h 28 min
